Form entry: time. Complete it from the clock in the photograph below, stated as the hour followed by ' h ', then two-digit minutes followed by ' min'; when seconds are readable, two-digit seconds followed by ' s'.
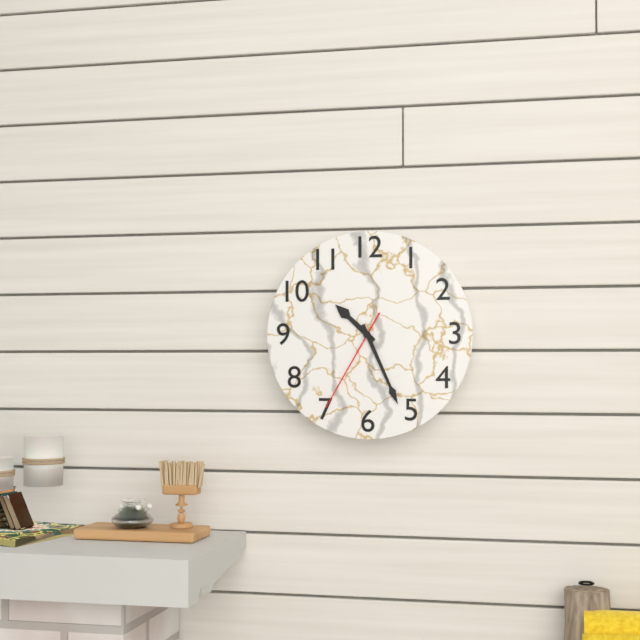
10 h 26 min 35 s
